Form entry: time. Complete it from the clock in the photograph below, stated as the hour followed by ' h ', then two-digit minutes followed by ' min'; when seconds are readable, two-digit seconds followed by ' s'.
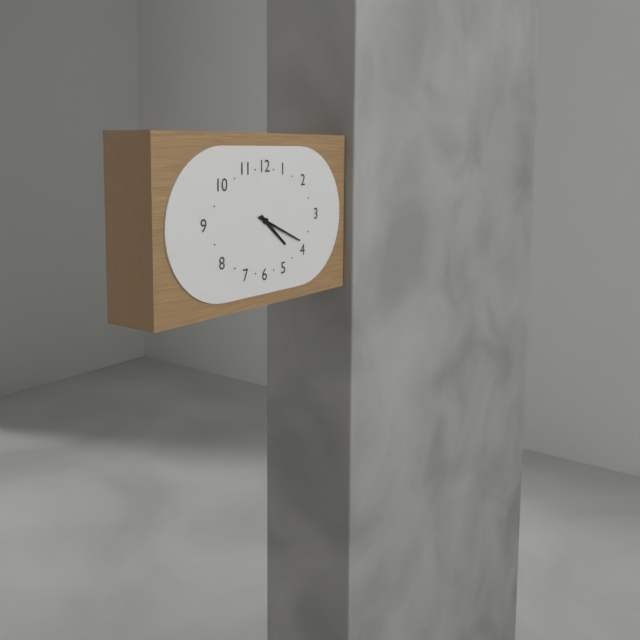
4 h 19 min
